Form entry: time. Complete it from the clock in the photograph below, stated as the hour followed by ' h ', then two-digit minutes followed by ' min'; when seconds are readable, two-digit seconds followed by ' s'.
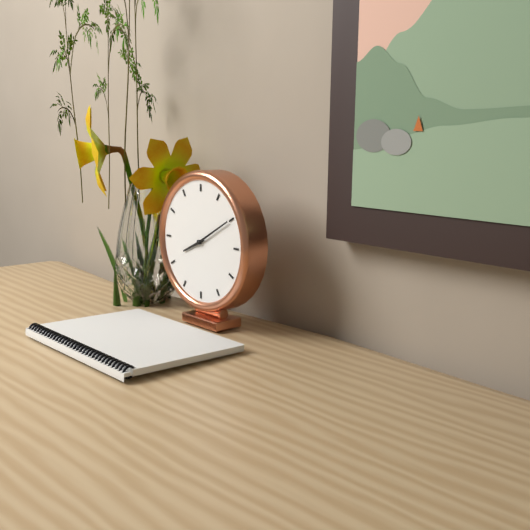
8 h 10 min
